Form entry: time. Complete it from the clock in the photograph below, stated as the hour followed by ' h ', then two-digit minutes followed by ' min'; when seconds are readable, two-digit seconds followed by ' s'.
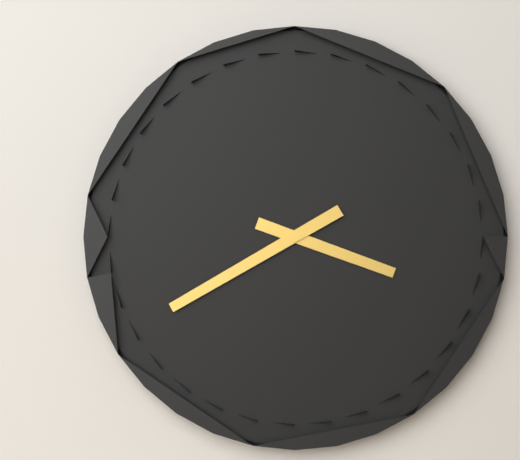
3 h 40 min
